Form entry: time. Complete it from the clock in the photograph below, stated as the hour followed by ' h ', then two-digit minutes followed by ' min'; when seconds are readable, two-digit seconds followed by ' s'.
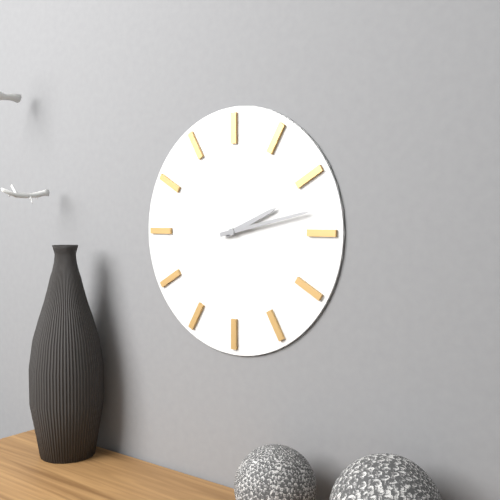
2 h 13 min
